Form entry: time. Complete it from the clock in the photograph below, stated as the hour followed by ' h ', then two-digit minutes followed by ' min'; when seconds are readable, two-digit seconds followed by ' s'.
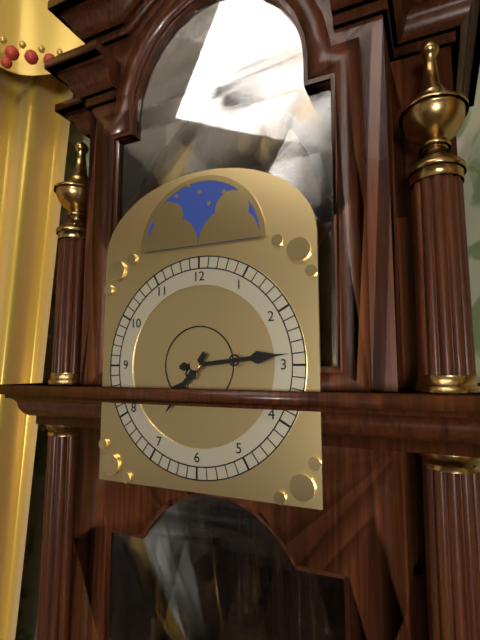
7 h 14 min
